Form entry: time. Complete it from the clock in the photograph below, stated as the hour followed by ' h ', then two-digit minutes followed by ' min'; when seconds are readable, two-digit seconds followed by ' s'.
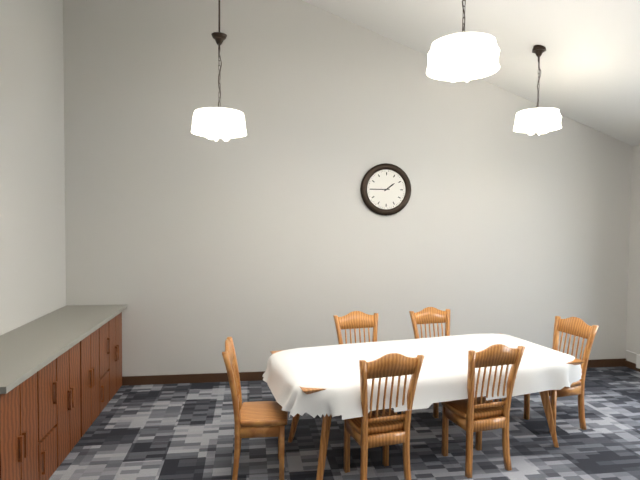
1 h 45 min
